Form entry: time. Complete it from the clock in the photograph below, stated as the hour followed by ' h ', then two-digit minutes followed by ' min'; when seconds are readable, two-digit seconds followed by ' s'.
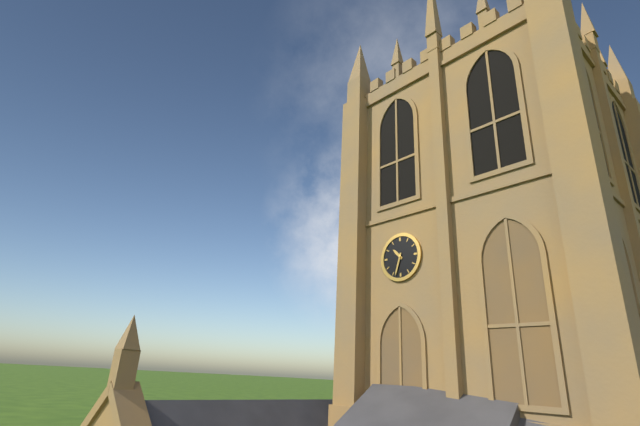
10 h 33 min
